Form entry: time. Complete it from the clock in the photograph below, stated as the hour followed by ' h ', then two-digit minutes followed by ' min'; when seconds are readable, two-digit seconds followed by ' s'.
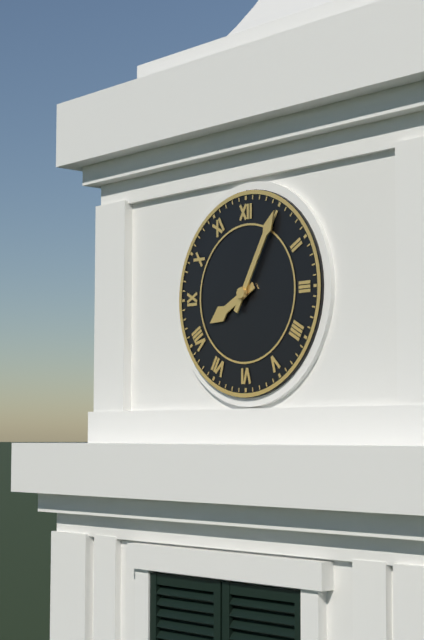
8 h 05 min
